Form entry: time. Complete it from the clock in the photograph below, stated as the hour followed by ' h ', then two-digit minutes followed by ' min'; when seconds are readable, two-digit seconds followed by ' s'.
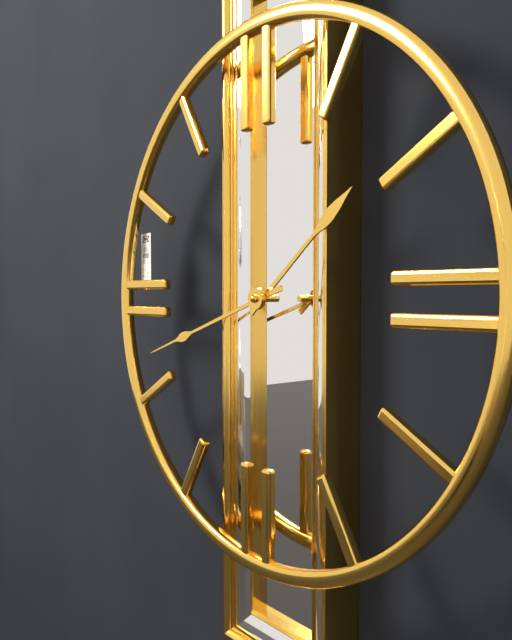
1 h 42 min
